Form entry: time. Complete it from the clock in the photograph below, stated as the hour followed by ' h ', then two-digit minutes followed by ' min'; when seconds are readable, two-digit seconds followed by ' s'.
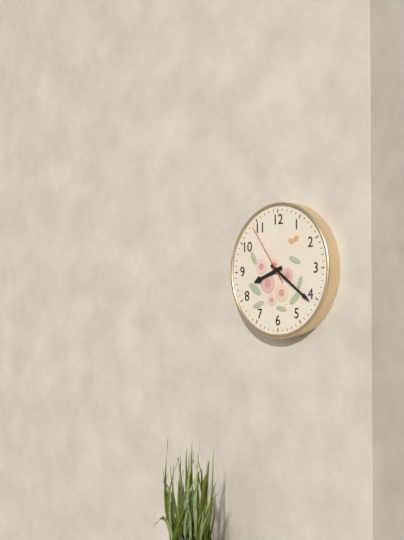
8 h 21 min 54 s
